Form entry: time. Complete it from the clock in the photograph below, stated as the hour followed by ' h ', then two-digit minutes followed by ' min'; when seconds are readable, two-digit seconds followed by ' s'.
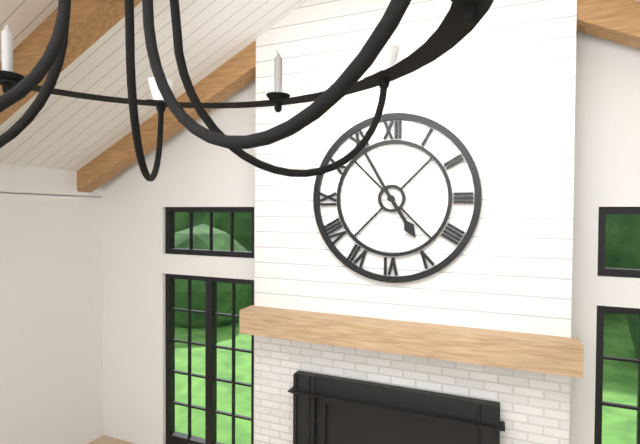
4 h 55 min
